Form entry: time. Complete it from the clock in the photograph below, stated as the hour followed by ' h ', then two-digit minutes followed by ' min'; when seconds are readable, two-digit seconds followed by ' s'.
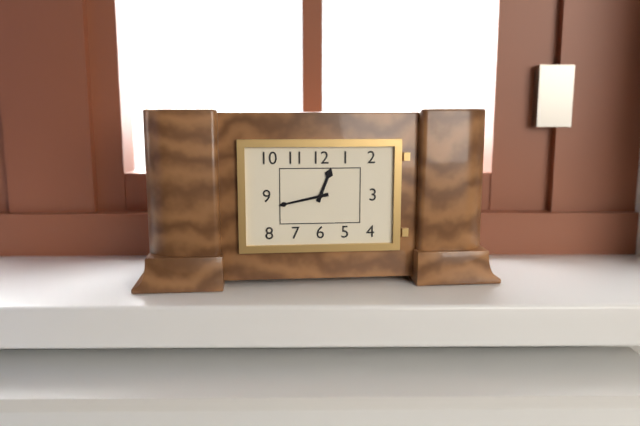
12 h 43 min
